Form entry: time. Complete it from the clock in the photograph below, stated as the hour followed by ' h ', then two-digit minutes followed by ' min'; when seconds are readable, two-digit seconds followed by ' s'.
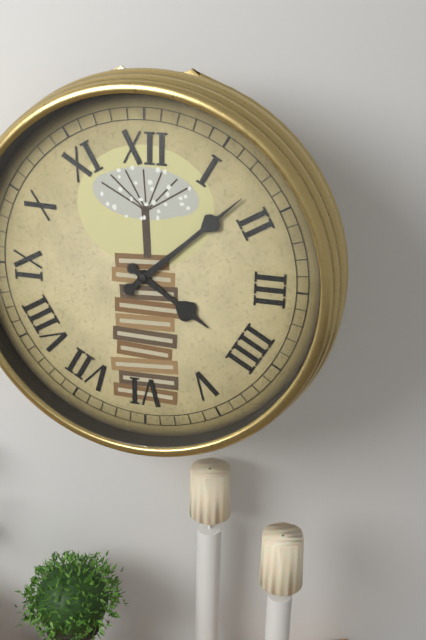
4 h 08 min
